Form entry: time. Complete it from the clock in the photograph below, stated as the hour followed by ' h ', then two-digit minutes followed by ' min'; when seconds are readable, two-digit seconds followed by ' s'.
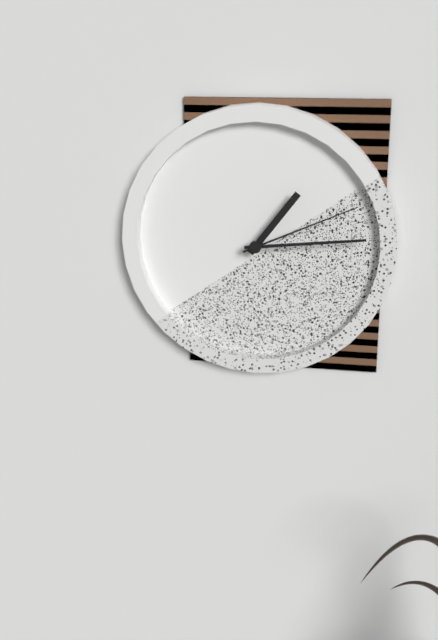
1 h 14 min 11 s
